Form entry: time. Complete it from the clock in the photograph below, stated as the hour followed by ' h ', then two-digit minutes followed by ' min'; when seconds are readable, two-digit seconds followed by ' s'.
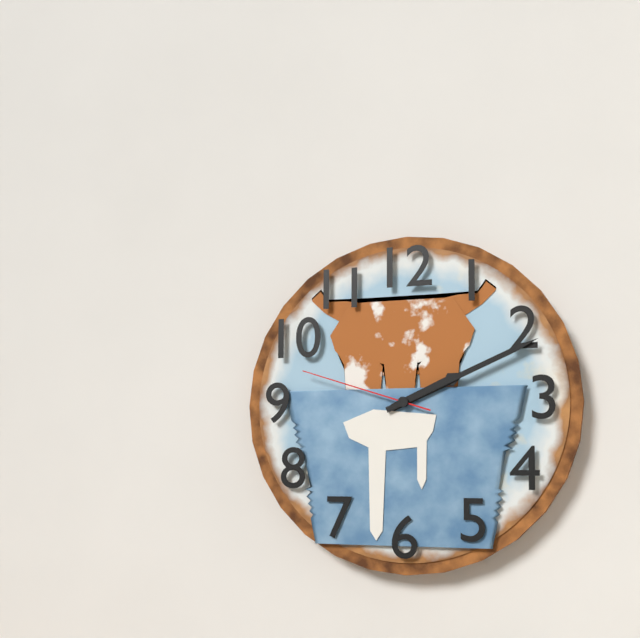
2 h 11 min 48 s
